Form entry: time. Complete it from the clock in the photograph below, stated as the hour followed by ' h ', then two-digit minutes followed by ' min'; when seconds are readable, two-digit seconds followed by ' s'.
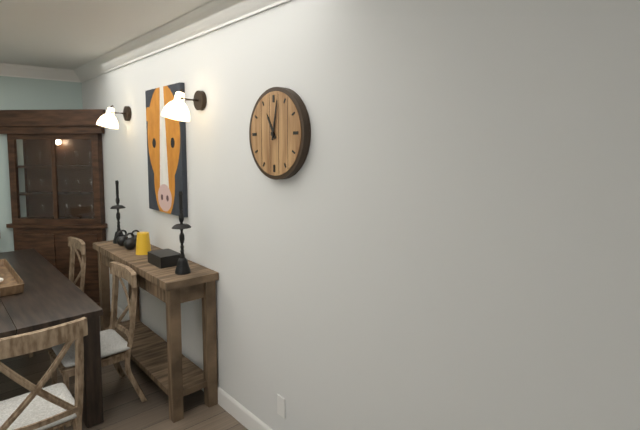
11 h 02 min
